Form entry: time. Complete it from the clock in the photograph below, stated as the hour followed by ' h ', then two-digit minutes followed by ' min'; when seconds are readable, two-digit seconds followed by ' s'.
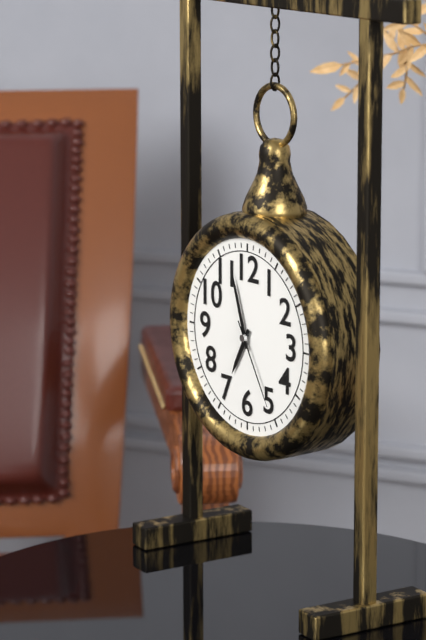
6 h 57 min 25 s
